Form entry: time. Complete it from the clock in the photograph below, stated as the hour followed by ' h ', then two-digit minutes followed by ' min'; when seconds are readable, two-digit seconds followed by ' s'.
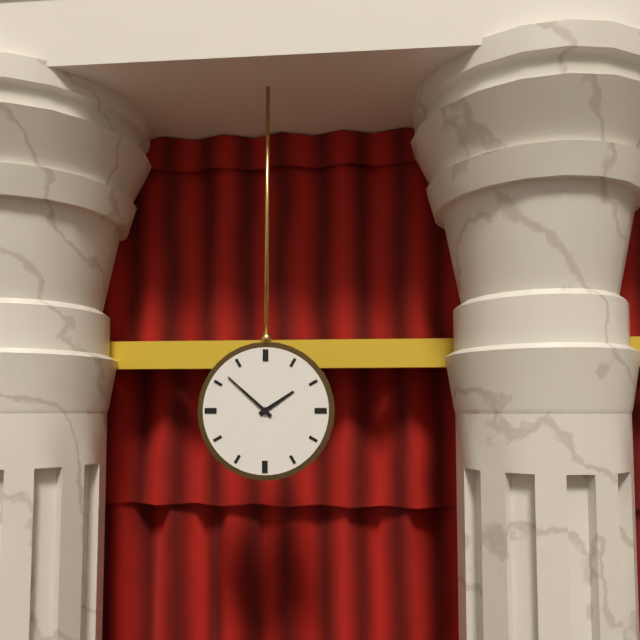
1 h 52 min
